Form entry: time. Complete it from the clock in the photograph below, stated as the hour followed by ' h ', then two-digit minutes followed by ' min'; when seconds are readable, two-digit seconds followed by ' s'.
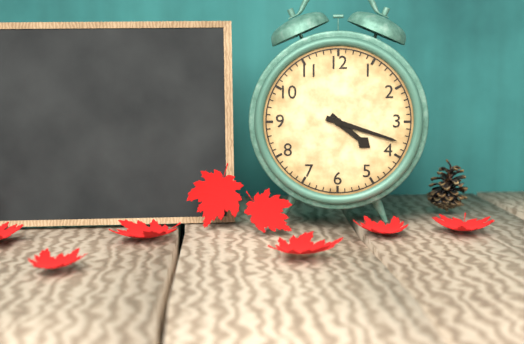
4 h 18 min
